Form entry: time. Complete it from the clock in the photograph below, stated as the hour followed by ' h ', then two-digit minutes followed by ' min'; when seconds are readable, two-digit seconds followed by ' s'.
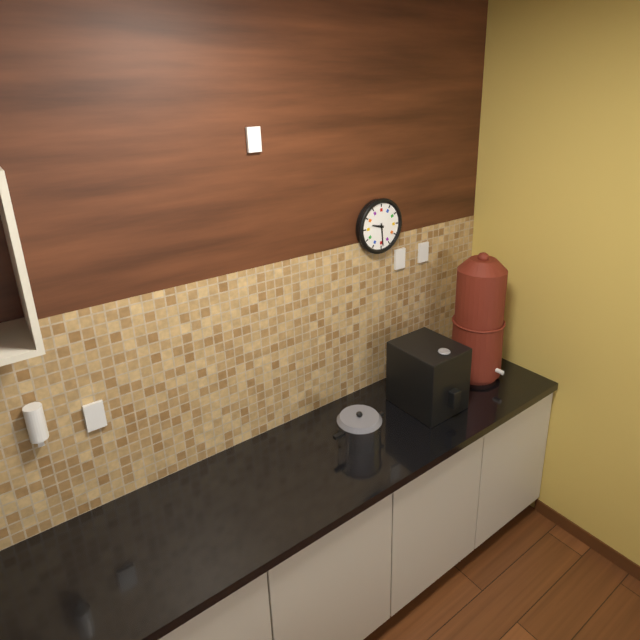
9 h 29 min
